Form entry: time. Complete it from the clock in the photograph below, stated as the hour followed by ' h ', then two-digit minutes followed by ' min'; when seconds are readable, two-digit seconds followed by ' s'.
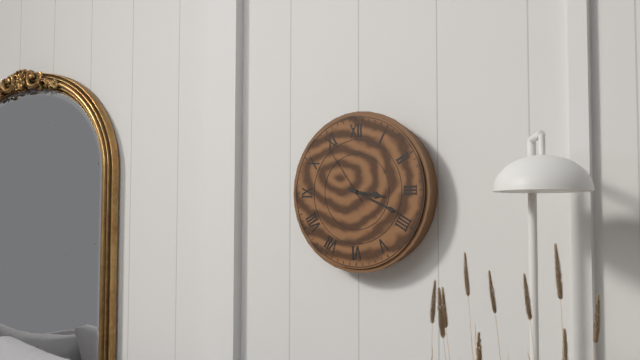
3 h 19 min 54 s
